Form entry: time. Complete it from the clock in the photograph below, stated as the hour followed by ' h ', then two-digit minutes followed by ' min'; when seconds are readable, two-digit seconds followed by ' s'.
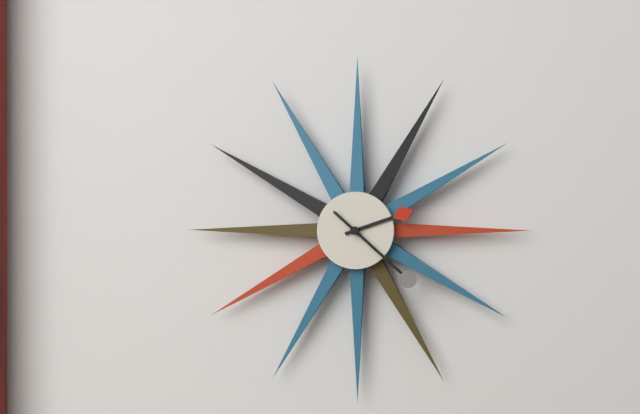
2 h 22 min
